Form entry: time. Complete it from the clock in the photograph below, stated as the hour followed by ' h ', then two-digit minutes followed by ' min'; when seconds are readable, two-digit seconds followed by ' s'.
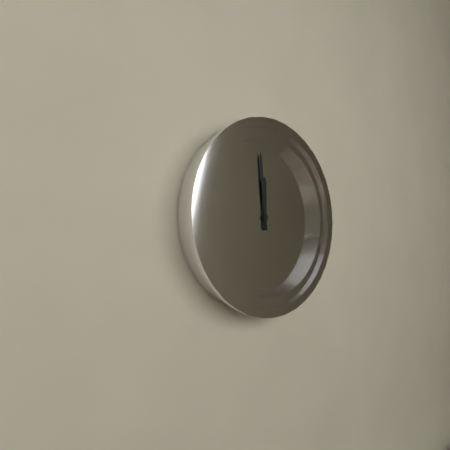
11 h 59 min
